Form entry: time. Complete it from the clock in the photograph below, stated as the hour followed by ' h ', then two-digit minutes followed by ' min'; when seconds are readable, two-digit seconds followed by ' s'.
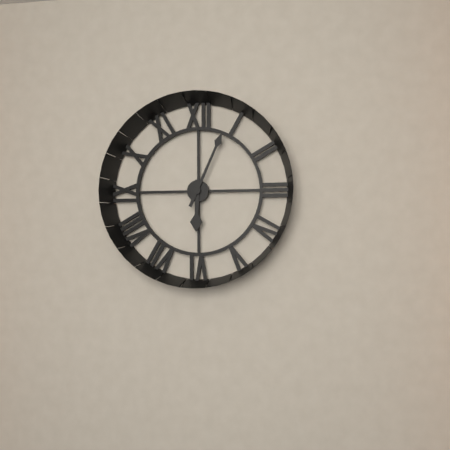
6 h 04 min
